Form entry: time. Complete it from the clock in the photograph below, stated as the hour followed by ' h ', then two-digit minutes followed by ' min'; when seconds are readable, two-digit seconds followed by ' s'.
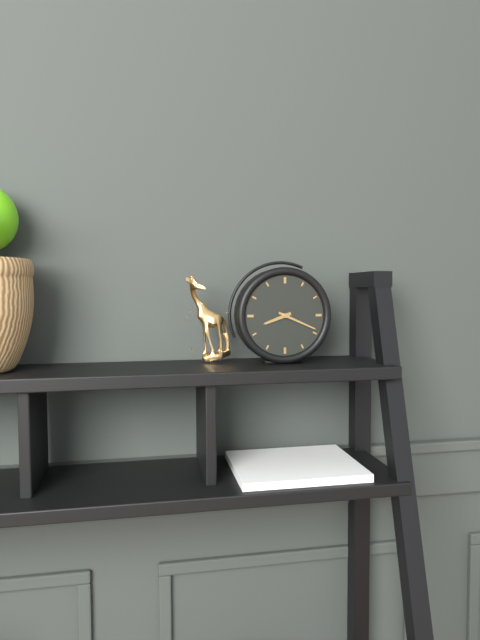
8 h 19 min
